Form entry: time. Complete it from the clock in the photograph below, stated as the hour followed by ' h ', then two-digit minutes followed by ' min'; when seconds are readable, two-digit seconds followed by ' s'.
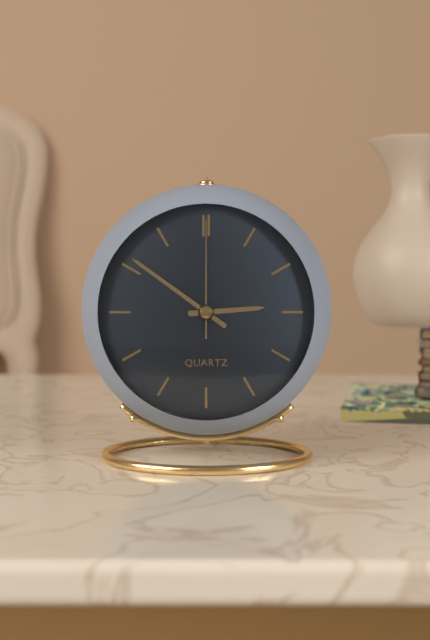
2 h 51 min 00 s
